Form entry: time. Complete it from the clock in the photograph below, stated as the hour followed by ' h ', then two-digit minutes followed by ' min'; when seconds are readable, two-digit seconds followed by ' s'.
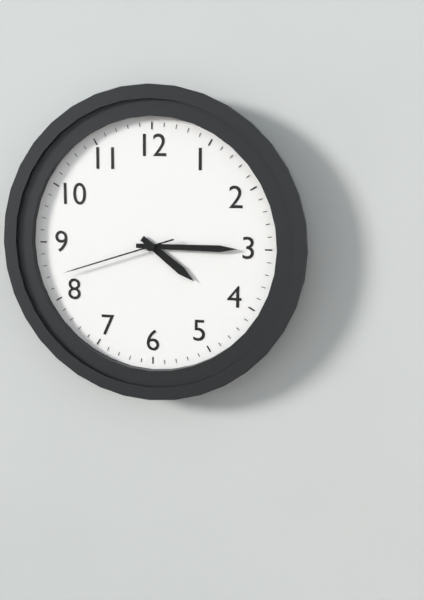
4 h 15 min 42 s
